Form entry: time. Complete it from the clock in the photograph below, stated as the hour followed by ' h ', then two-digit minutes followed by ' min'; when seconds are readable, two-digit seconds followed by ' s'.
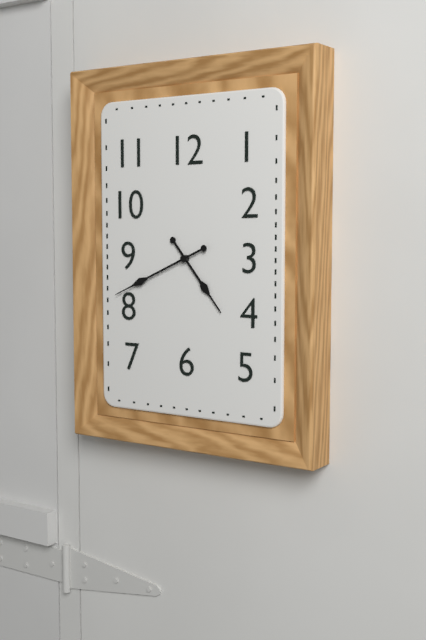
4 h 41 min
